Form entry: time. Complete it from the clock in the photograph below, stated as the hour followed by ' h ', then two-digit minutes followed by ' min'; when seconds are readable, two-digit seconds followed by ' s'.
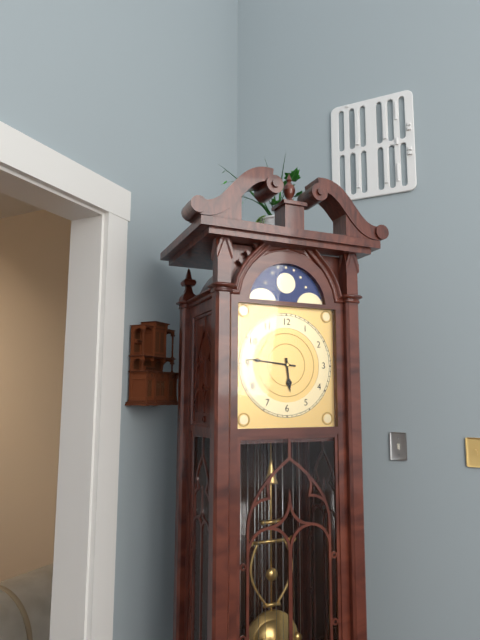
5 h 46 min
